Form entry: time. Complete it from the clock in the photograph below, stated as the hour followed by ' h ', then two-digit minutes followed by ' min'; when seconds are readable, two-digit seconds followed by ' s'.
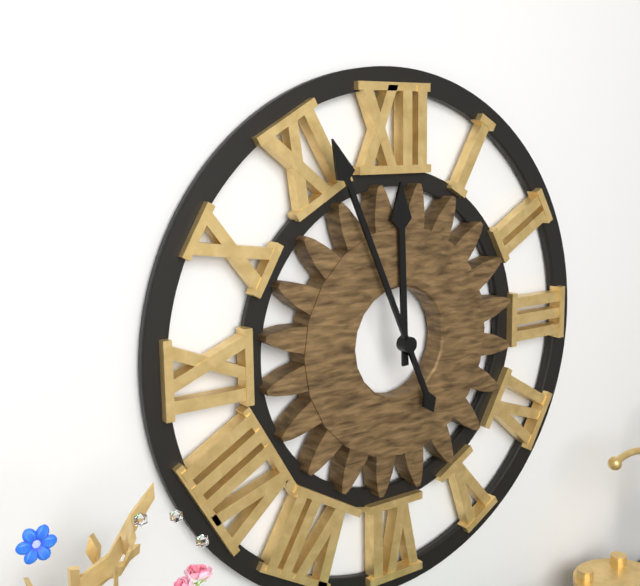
11 h 56 min
